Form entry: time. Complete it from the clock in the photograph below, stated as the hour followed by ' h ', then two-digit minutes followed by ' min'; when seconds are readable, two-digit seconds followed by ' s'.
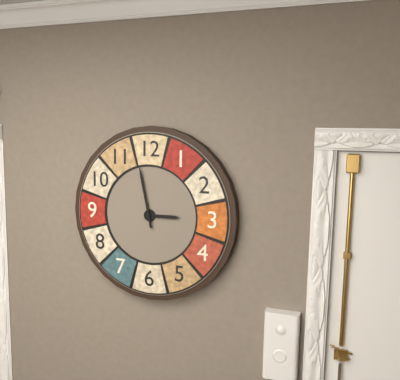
2 h 58 min
